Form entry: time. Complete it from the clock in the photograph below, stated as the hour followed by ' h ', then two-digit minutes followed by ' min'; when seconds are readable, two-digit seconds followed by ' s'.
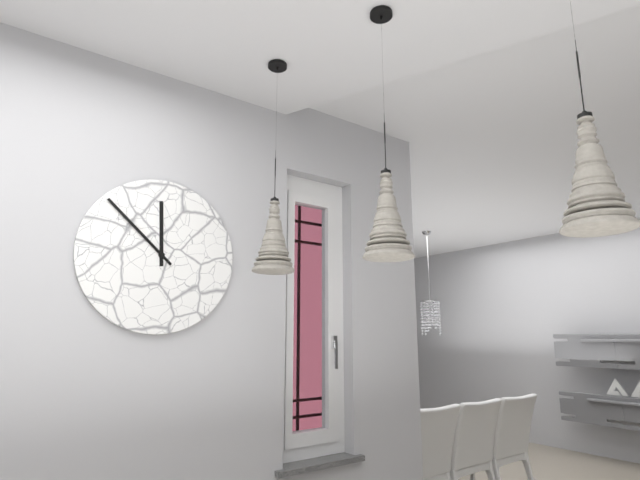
11 h 52 min
